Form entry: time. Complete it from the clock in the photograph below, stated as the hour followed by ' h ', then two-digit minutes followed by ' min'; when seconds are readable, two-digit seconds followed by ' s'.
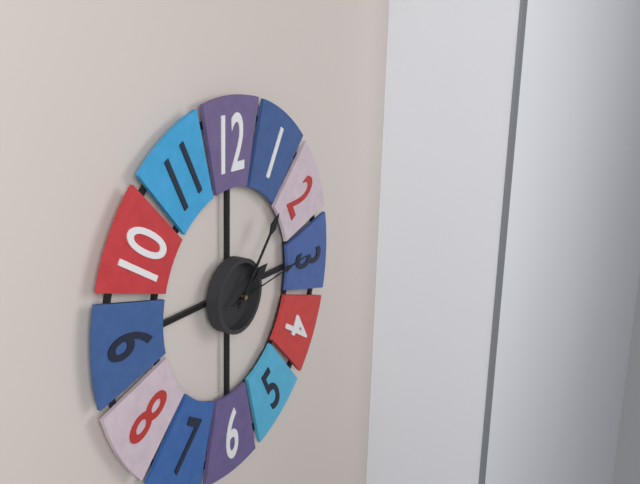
2 h 07 min 14 s
